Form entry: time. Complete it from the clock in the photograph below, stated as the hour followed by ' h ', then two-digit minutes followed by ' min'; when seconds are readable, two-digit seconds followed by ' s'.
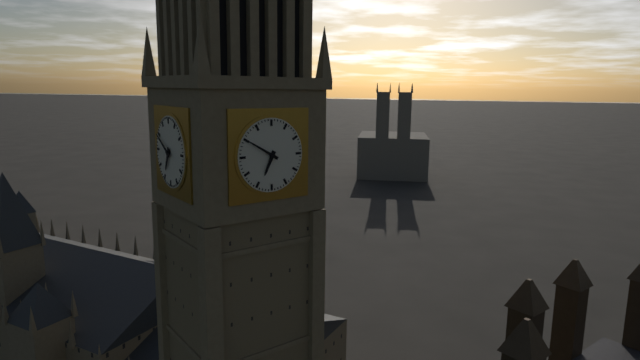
6 h 50 min
